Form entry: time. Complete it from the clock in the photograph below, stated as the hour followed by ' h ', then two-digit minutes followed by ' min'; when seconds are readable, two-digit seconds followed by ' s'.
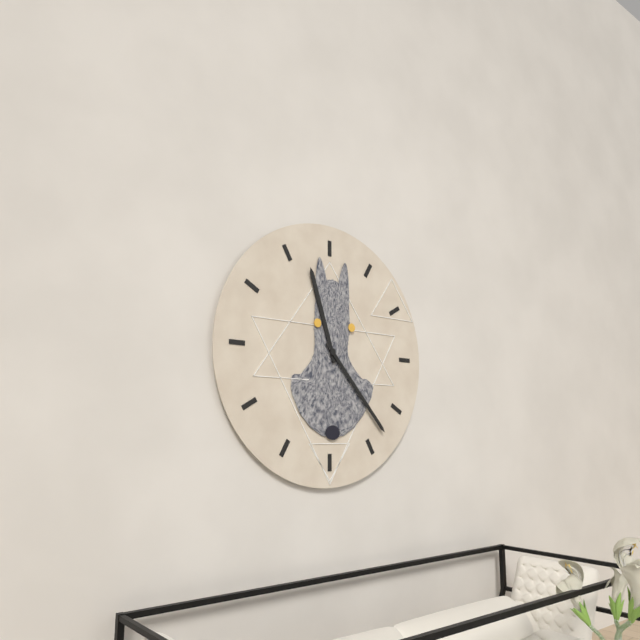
11 h 23 min
